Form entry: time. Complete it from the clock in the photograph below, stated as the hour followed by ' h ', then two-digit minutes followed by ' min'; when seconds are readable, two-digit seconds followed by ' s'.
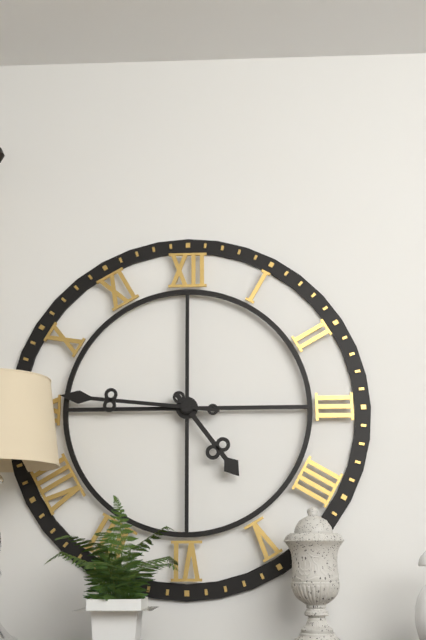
4 h 46 min
